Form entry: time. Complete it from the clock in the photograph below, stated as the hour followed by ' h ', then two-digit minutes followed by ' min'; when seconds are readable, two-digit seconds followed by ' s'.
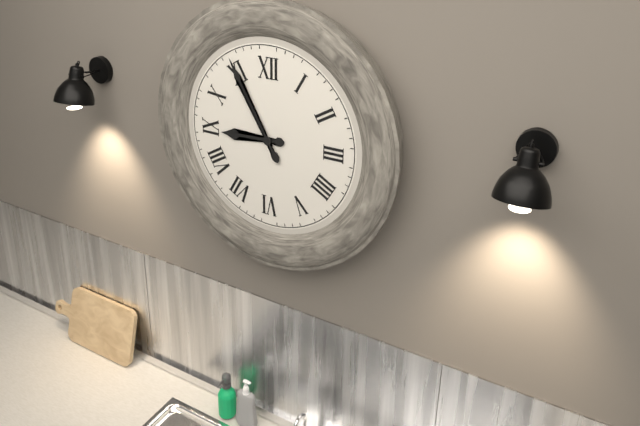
8 h 55 min
